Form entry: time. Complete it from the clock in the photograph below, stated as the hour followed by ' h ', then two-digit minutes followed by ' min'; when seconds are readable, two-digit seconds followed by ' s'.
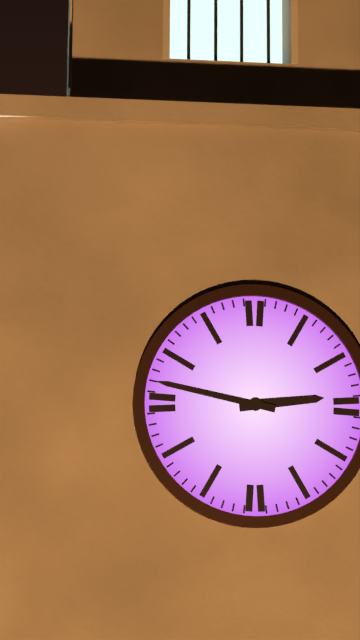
2 h 47 min
